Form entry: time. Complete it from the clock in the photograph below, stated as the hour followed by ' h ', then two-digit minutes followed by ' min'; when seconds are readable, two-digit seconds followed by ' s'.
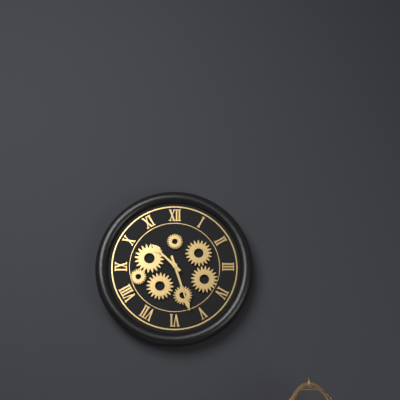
10 h 27 min
